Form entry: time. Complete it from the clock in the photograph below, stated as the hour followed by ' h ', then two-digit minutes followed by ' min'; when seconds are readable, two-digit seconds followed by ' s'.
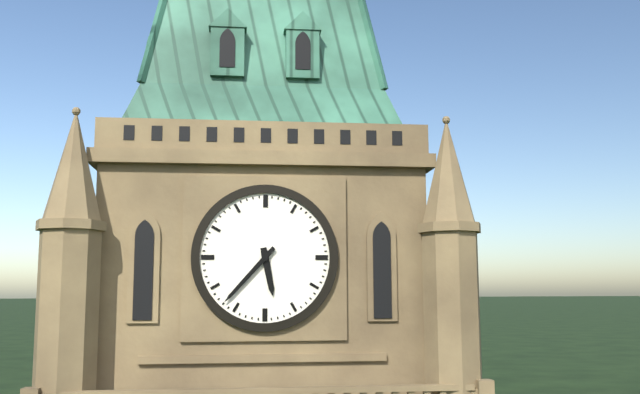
5 h 37 min
